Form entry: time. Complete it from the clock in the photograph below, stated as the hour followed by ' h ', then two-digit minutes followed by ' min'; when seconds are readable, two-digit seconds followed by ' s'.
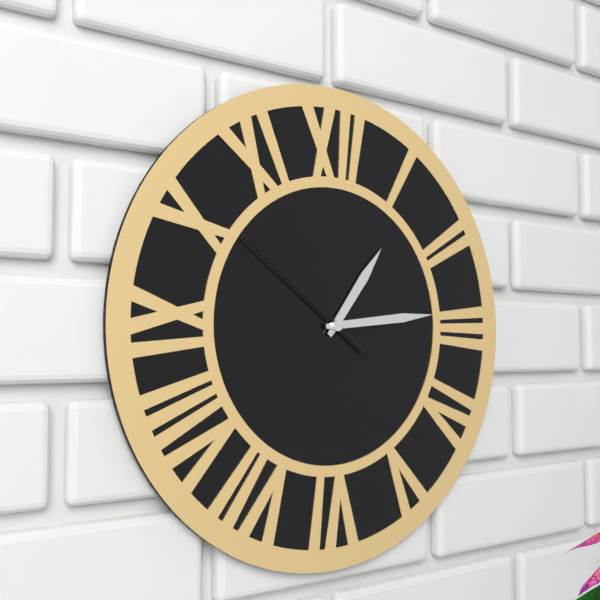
1 h 14 min 51 s
